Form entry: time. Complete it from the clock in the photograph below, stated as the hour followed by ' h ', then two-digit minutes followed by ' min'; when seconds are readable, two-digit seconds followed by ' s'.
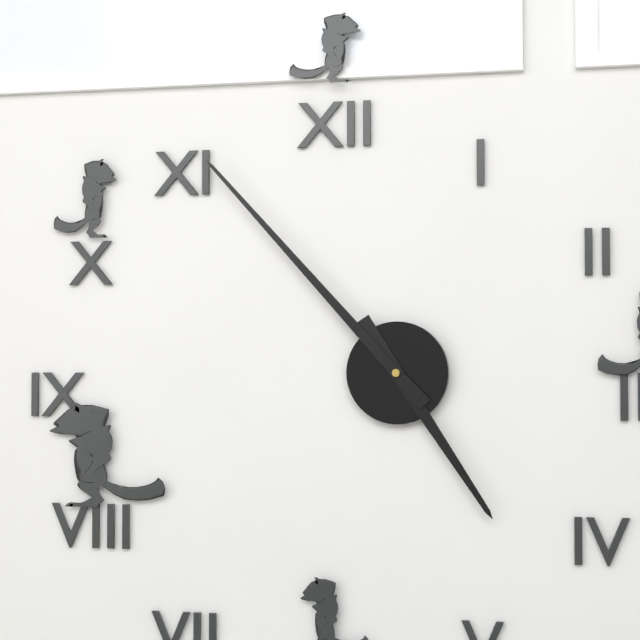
4 h 53 min
